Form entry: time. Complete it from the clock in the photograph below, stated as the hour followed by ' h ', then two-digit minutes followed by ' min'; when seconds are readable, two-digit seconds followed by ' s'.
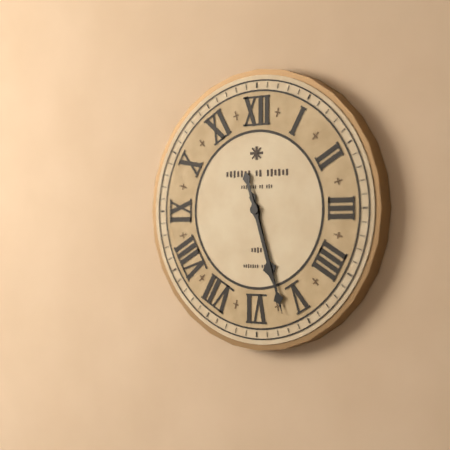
5 h 27 min
